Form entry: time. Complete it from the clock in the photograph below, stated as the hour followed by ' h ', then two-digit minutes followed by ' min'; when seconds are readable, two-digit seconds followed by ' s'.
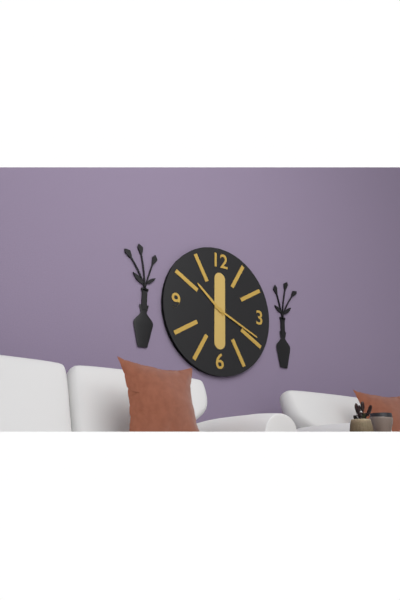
10 h 19 min
